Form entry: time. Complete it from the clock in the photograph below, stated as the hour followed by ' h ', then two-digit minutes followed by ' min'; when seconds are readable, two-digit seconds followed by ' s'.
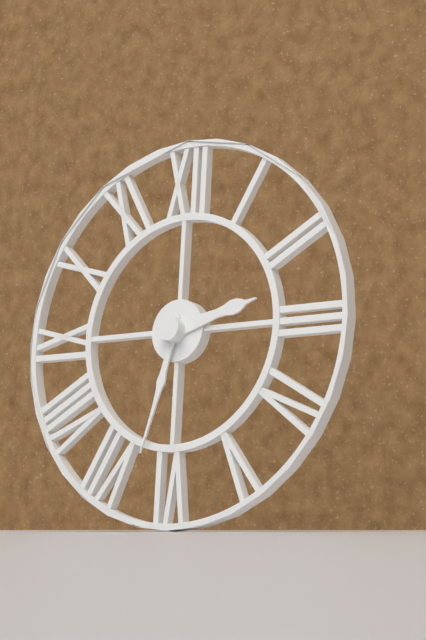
2 h 32 min
